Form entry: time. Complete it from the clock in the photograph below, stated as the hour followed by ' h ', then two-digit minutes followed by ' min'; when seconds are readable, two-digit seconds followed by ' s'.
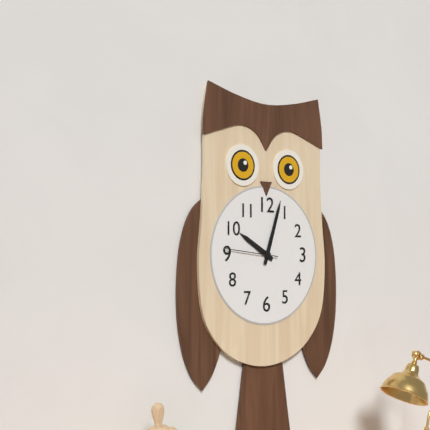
10 h 03 min 46 s
